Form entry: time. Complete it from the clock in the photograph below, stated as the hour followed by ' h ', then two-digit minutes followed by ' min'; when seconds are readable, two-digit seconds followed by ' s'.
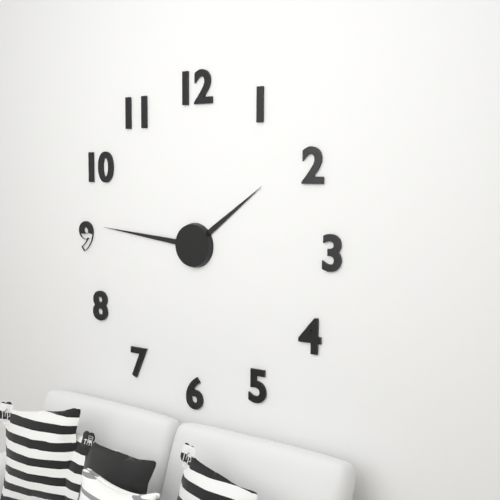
1 h 46 min
